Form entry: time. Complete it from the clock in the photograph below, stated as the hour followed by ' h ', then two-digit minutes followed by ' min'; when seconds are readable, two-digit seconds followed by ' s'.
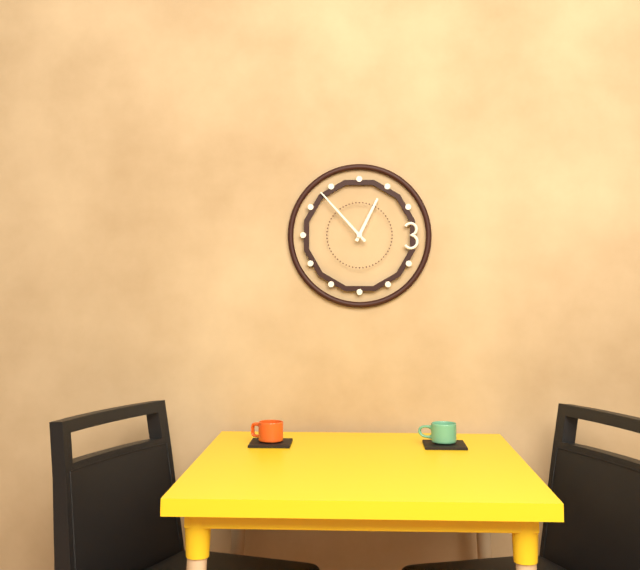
12 h 53 min
